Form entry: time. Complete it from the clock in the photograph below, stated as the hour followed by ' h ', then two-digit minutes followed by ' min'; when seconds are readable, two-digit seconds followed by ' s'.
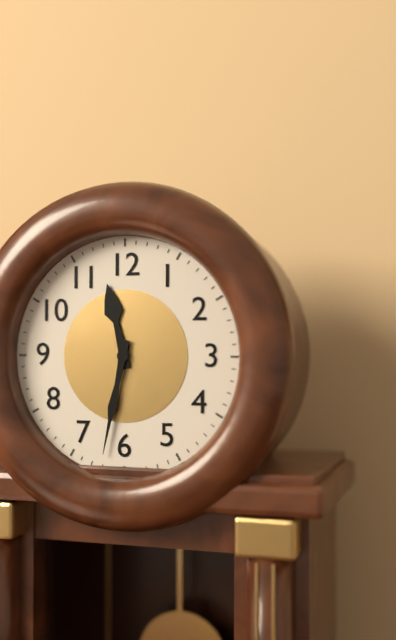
11 h 32 min
